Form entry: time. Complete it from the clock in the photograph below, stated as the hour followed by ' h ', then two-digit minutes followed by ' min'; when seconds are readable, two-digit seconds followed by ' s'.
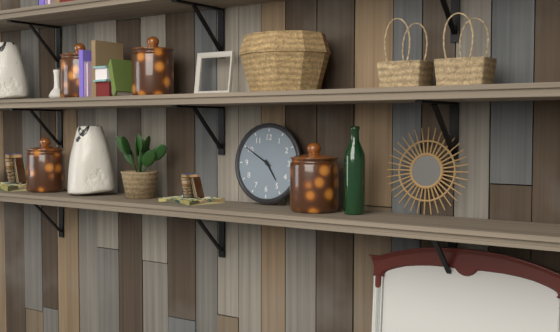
4 h 50 min
